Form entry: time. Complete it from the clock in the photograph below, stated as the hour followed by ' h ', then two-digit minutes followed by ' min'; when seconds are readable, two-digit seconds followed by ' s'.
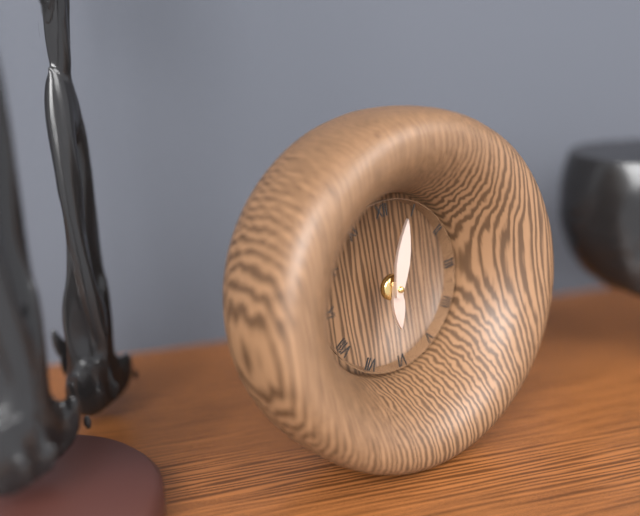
6 h 03 min
